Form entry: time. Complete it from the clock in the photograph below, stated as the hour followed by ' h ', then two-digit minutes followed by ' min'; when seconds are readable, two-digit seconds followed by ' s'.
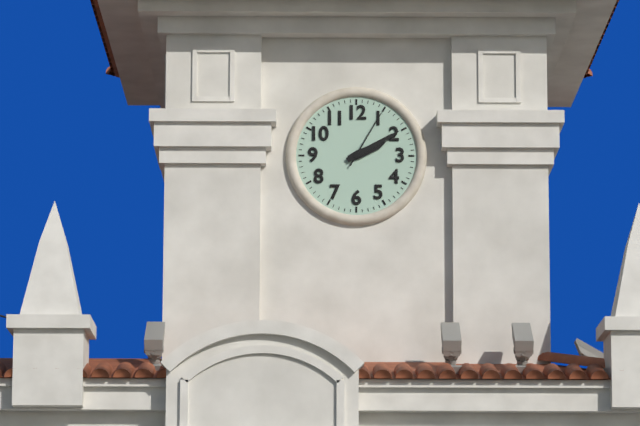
2 h 10 min 05 s
